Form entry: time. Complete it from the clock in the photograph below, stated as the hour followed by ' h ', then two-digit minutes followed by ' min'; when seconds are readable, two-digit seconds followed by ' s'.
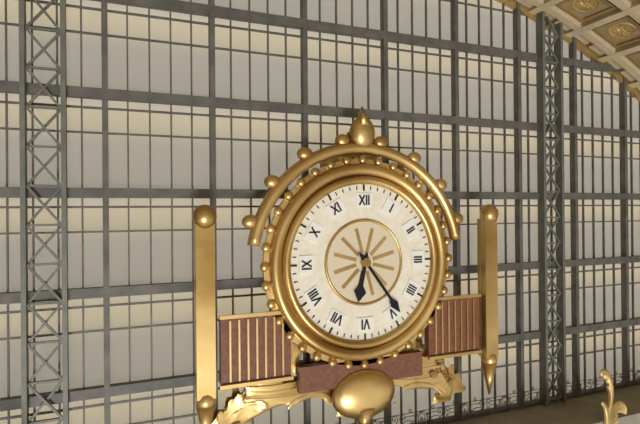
6 h 24 min
